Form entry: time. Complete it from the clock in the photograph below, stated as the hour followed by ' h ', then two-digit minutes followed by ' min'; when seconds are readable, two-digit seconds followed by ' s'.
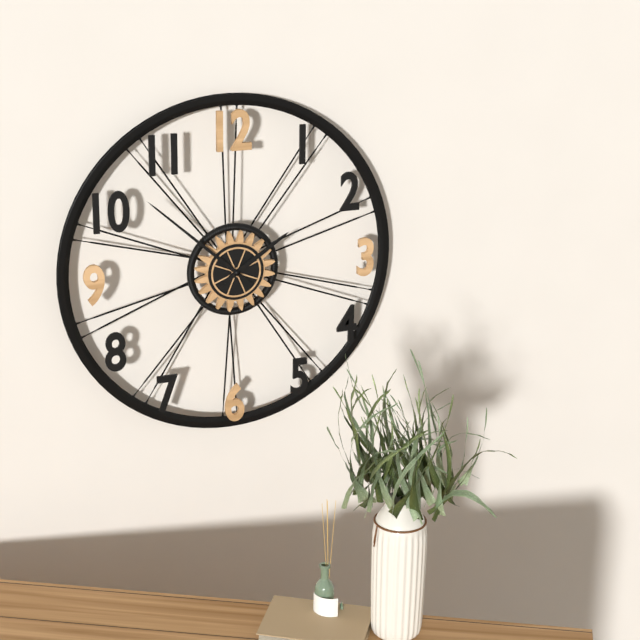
1 h 52 min
